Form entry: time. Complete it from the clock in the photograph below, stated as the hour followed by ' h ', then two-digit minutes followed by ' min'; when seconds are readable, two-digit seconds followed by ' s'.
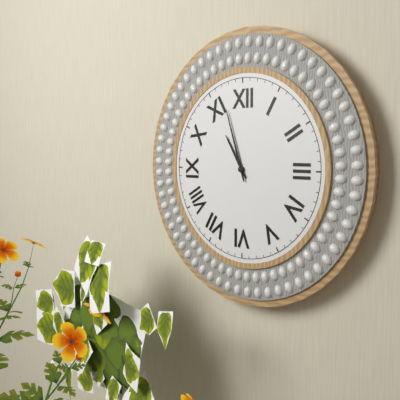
10 h 57 min
